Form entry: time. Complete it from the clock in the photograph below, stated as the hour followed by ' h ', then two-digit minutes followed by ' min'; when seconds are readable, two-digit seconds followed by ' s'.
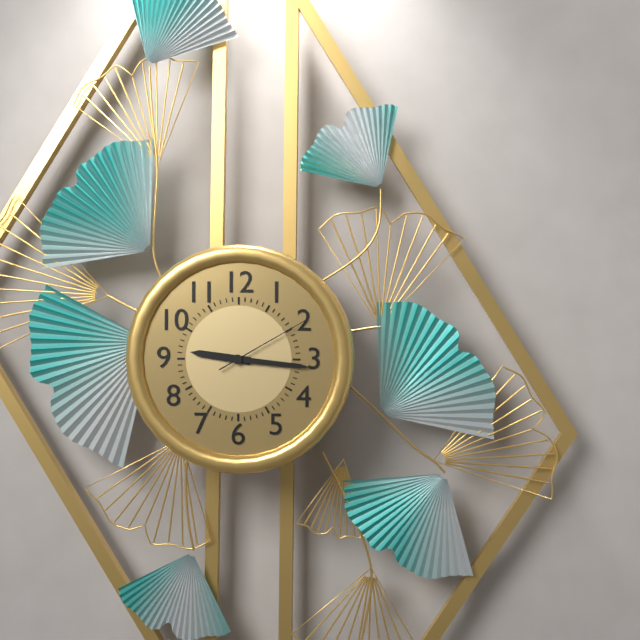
9 h 16 min 10 s
